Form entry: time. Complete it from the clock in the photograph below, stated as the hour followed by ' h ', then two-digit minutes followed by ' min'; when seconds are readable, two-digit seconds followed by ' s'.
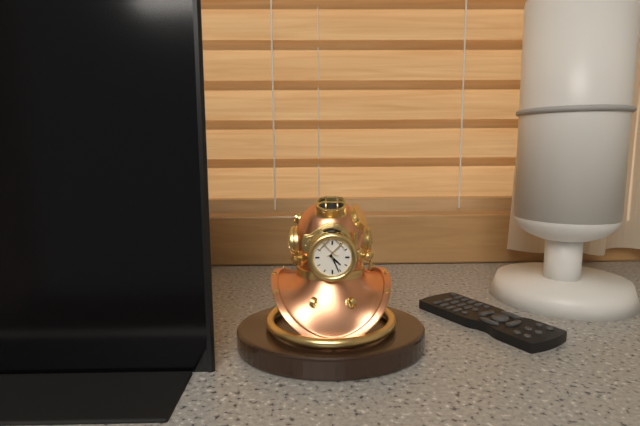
4 h 26 min
